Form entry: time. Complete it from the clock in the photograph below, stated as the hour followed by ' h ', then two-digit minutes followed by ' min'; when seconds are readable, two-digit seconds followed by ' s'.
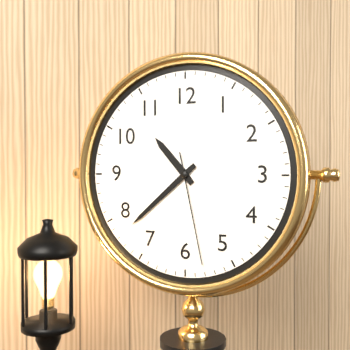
10 h 38 min 28 s
